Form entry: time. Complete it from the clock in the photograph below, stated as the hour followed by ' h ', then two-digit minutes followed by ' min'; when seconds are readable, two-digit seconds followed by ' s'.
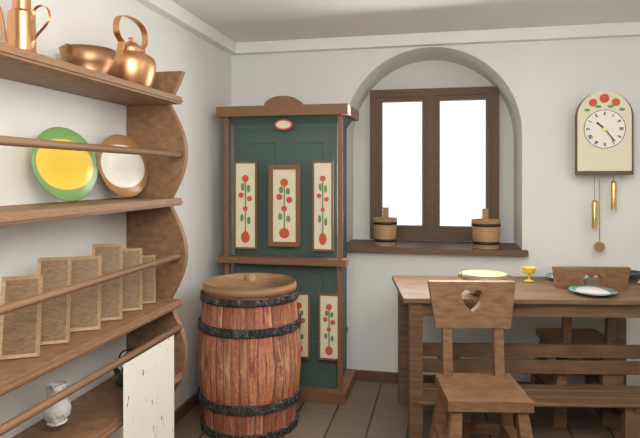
10 h 24 min
